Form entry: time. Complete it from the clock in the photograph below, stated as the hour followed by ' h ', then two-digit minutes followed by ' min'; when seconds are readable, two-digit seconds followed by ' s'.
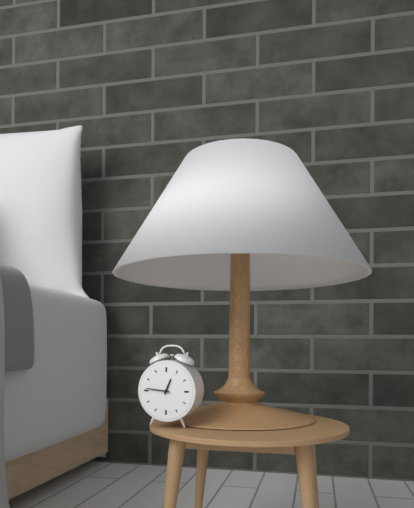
12 h 46 min
